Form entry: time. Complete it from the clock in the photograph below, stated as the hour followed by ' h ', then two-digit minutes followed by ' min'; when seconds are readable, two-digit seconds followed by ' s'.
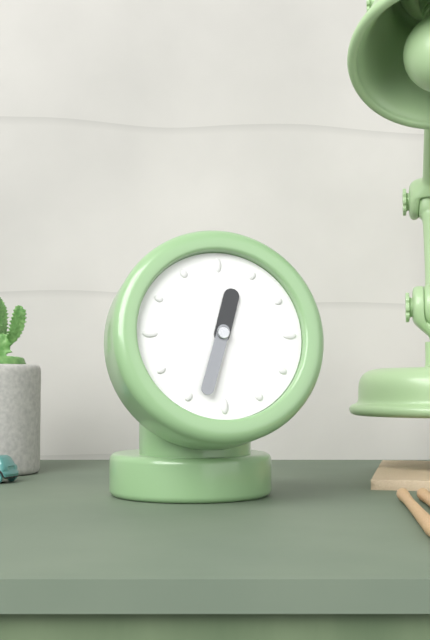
12 h 33 min
